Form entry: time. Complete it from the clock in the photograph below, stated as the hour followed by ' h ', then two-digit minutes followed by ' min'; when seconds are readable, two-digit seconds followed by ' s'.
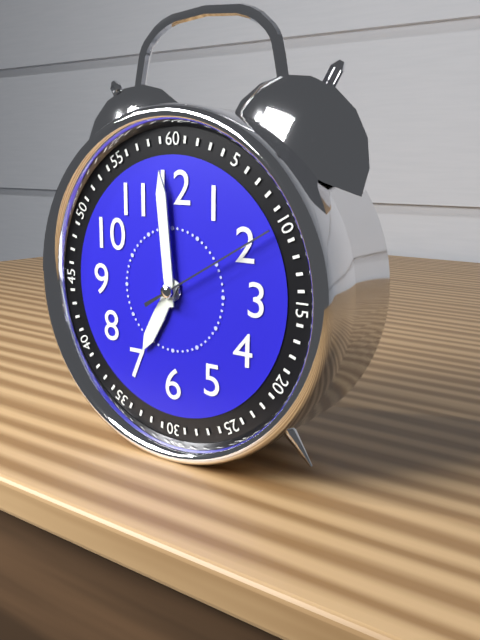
6 h 59 min 10 s
